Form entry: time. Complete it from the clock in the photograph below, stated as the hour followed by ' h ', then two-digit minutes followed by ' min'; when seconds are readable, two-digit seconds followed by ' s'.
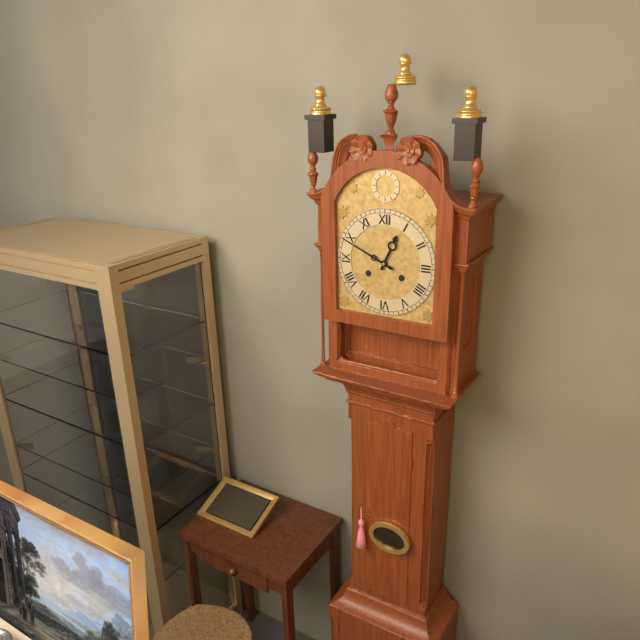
12 h 49 min
